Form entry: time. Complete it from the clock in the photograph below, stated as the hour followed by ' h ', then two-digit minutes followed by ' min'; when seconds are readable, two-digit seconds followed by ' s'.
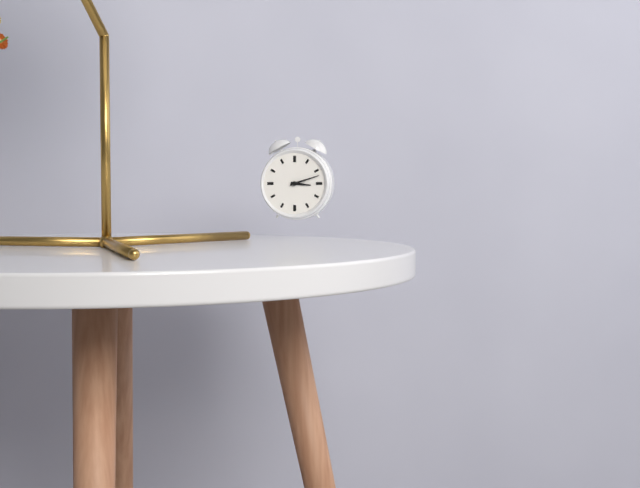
3 h 12 min
